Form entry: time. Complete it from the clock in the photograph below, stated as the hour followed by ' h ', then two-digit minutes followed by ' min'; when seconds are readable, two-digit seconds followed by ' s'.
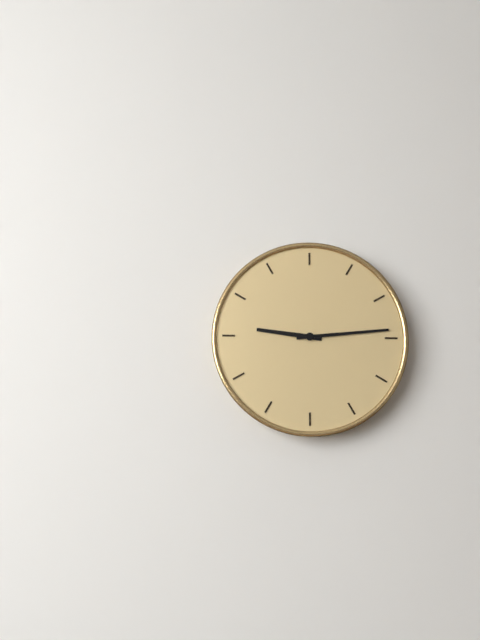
9 h 14 min
